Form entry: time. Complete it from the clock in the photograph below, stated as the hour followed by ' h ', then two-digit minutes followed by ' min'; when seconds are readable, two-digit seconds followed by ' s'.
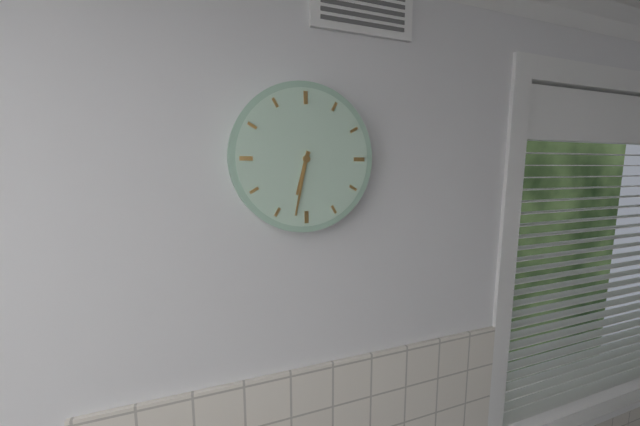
6 h 32 min
